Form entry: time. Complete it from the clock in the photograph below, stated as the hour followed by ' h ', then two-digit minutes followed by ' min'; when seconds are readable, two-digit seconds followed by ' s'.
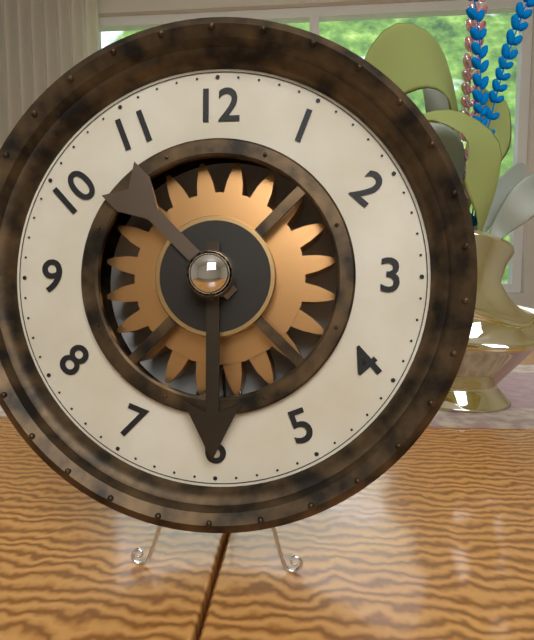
10 h 30 min
